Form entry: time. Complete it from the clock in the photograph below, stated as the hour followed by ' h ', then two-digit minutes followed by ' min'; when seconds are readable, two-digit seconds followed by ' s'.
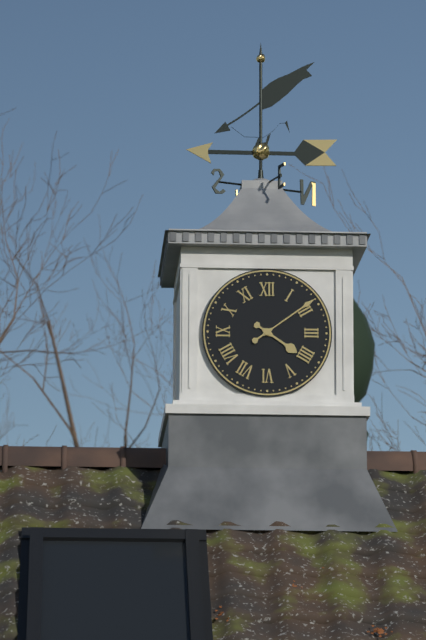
4 h 09 min
